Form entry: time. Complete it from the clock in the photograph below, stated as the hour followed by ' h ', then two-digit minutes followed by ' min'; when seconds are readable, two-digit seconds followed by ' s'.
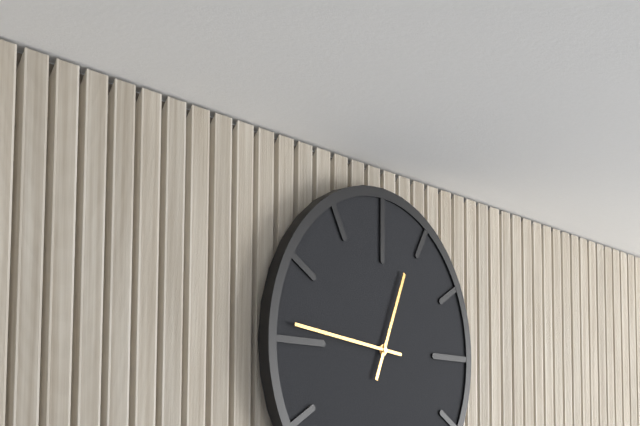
12 h 46 min
